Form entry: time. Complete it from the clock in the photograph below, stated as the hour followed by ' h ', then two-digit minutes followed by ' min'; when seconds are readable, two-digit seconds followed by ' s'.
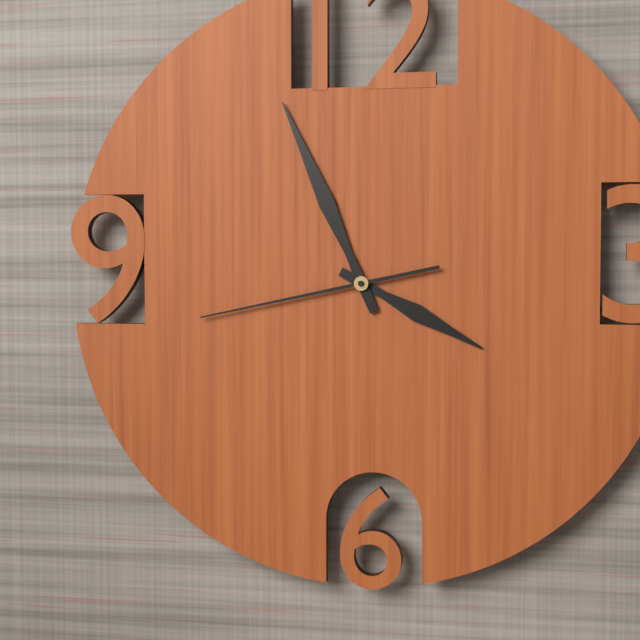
3 h 56 min 43 s
